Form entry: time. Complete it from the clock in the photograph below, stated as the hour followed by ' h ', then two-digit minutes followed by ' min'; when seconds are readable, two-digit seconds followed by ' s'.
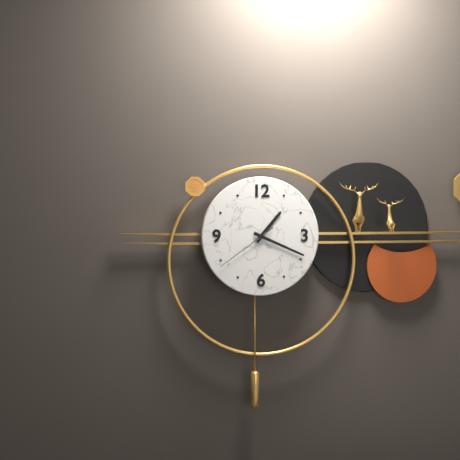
1 h 19 min 39 s
